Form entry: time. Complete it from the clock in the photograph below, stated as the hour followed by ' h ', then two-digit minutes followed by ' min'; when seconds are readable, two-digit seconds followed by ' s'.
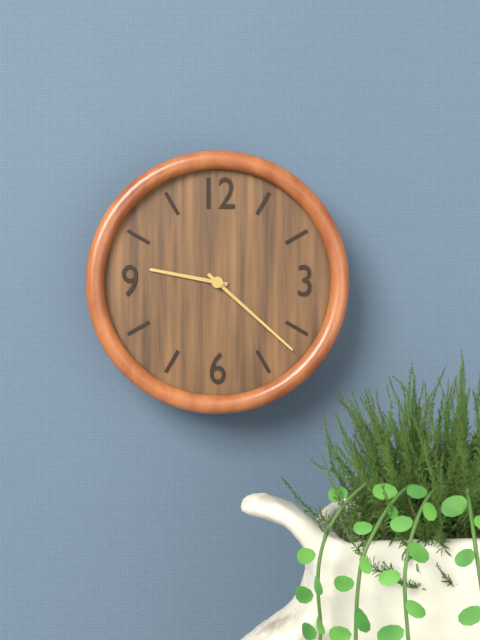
9 h 22 min
